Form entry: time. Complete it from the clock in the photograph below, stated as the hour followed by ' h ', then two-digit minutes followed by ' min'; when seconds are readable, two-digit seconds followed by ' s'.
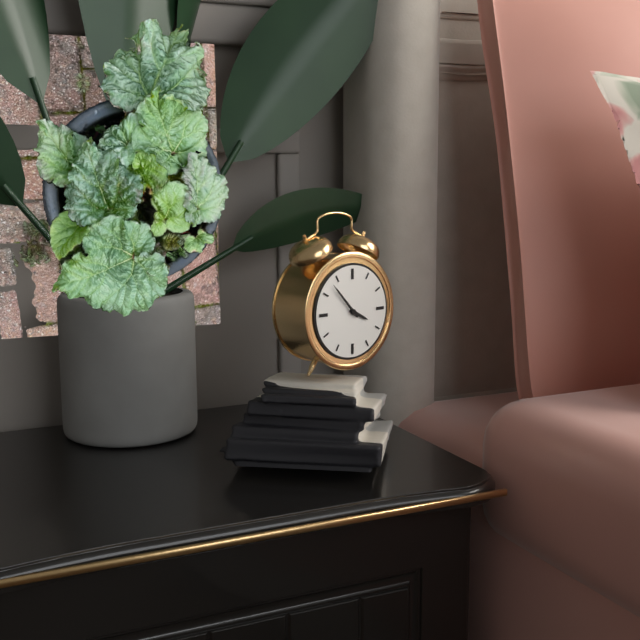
3 h 53 min
